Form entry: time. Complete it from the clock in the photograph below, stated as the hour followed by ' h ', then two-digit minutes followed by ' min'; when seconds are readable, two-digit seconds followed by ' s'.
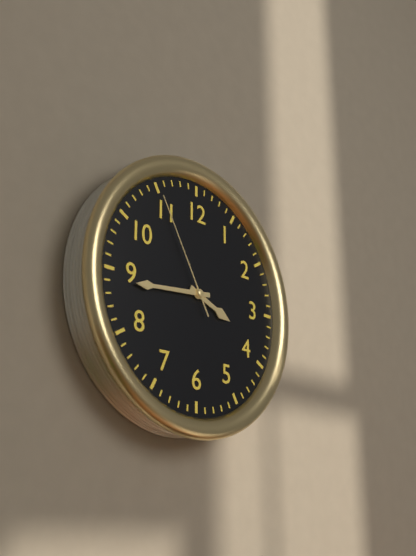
3 h 44 min 55 s
